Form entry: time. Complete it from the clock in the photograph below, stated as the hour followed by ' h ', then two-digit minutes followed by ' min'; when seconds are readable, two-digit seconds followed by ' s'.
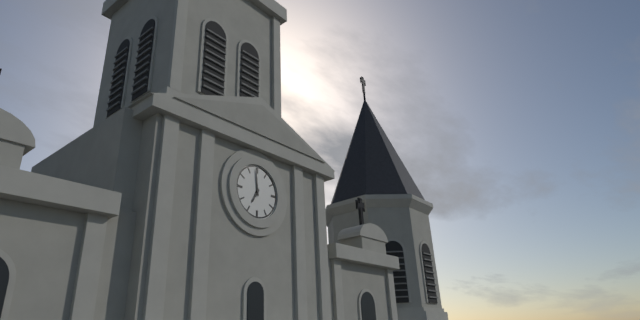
6 h 59 min
